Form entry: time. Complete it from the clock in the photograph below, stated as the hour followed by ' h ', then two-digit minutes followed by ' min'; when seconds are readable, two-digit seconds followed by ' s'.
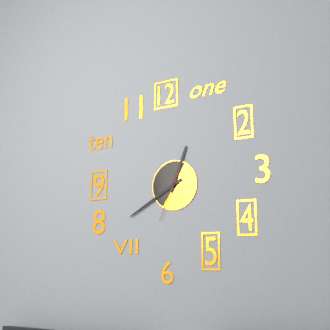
12 h 40 min 34 s
